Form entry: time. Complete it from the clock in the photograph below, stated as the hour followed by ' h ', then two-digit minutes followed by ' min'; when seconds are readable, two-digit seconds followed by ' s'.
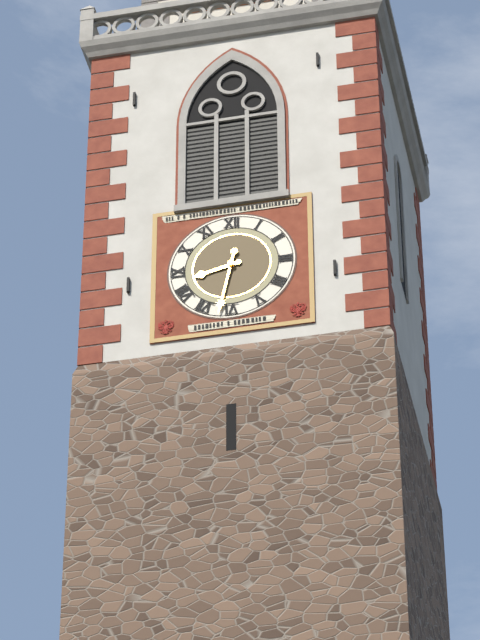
8 h 32 min
